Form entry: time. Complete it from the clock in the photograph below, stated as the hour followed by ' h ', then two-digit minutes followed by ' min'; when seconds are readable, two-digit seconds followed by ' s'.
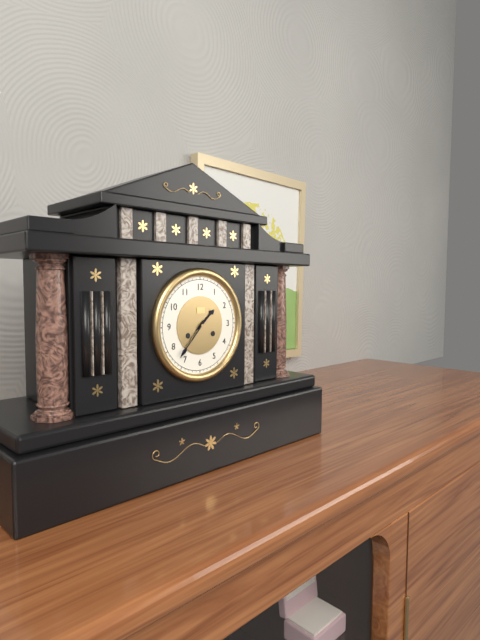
1 h 37 min
